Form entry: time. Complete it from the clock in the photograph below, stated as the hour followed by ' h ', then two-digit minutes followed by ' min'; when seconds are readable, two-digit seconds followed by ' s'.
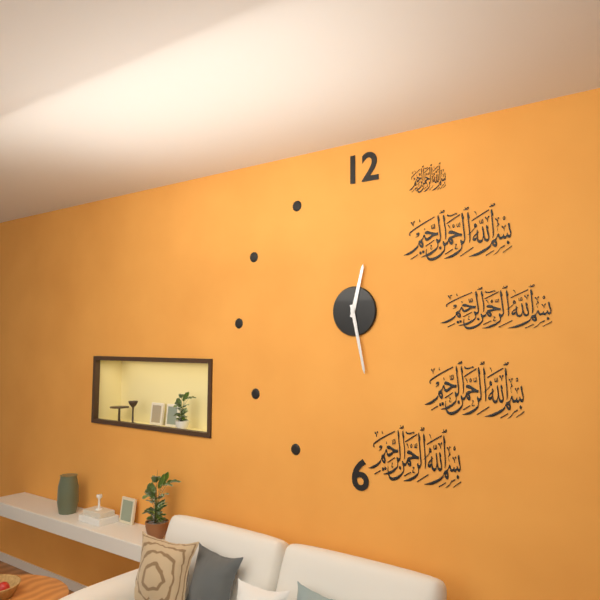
12 h 28 min
